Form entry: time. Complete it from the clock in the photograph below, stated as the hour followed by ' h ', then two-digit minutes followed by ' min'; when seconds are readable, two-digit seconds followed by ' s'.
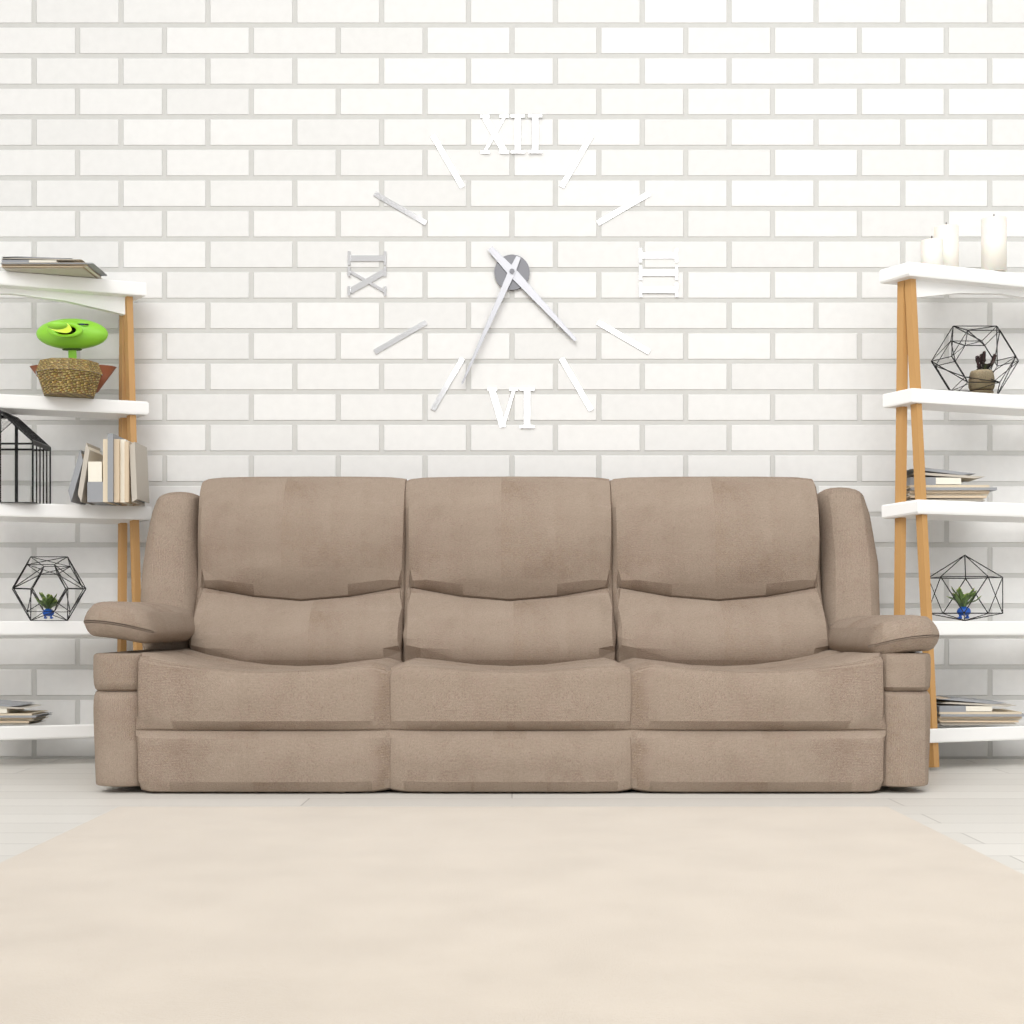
4 h 34 min
